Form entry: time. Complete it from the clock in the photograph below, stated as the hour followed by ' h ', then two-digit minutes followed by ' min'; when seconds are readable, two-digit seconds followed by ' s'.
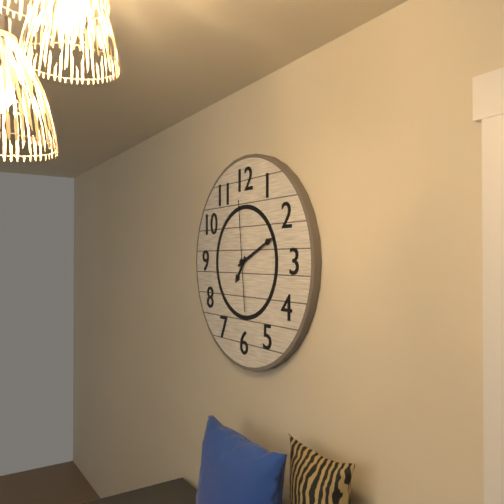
7 h 11 min 59 s
